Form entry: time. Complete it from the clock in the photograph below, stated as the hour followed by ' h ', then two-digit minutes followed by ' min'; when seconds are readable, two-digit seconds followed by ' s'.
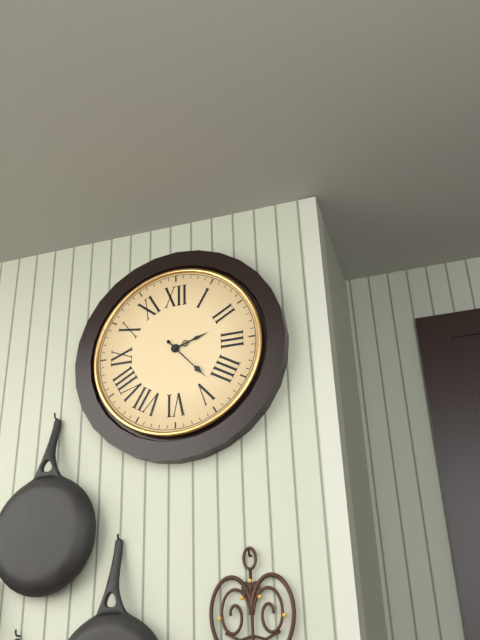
2 h 23 min
